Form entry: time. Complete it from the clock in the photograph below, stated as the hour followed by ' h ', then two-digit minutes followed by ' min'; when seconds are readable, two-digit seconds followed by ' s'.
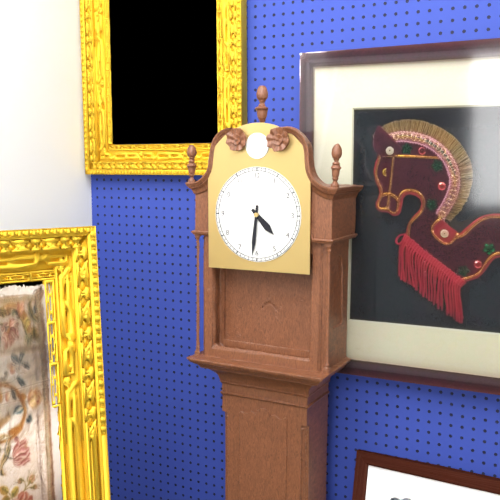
4 h 31 min
